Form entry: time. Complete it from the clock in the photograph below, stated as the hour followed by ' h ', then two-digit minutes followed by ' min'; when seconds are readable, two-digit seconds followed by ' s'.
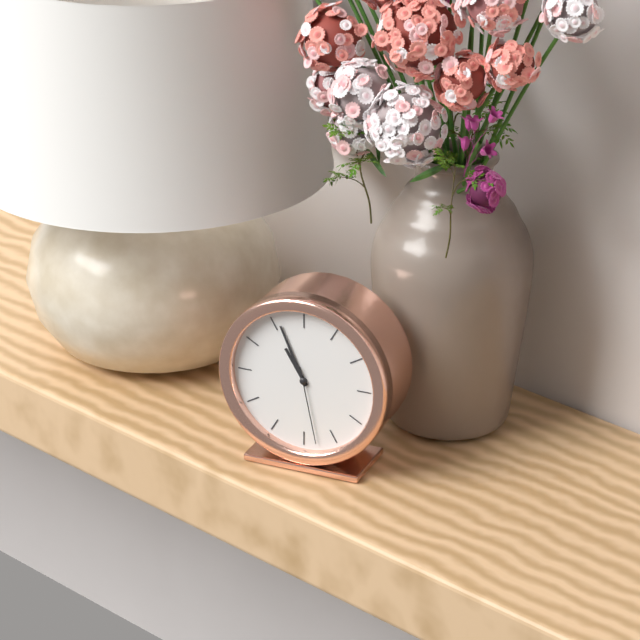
10 h 56 min 28 s
